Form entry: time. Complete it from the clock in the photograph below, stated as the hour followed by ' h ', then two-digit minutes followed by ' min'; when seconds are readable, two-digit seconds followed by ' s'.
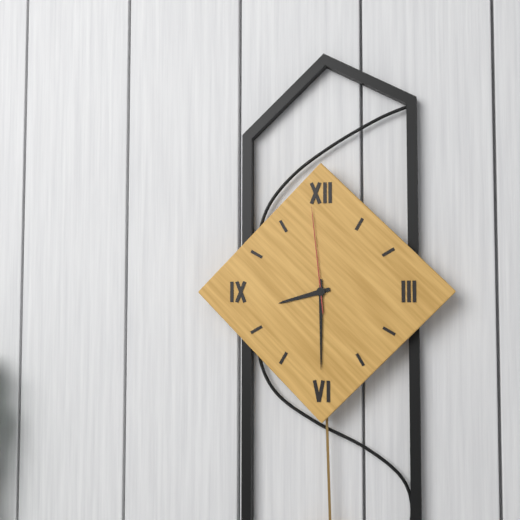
8 h 30 min 59 s
